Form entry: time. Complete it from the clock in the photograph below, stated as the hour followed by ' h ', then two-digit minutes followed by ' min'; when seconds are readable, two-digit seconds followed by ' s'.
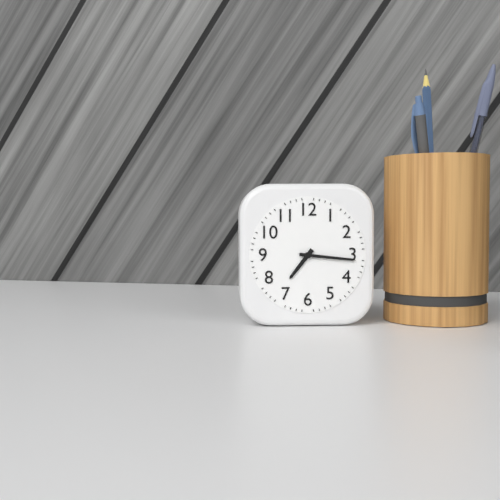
7 h 16 min
